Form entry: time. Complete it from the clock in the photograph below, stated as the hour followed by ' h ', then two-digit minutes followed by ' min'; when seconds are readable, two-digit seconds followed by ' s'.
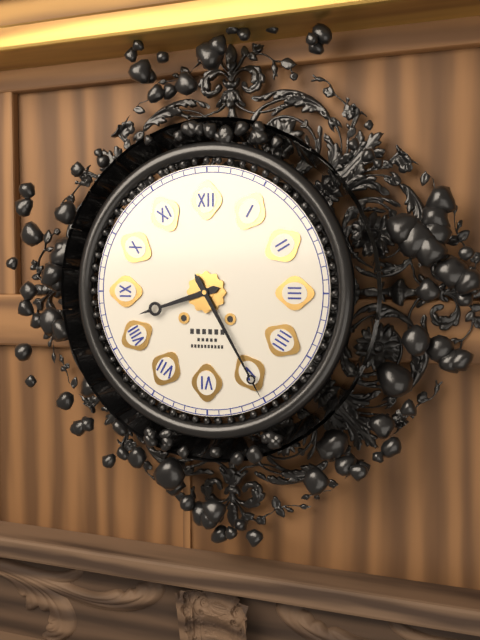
8 h 25 min
